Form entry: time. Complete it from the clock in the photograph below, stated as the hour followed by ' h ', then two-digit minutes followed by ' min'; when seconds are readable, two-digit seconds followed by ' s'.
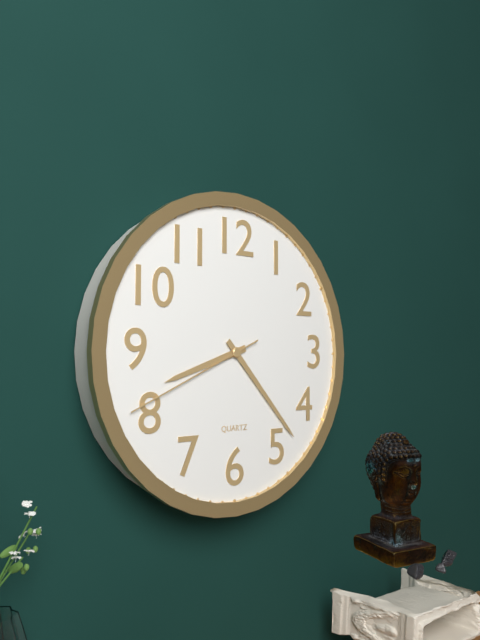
8 h 23 min 41 s
